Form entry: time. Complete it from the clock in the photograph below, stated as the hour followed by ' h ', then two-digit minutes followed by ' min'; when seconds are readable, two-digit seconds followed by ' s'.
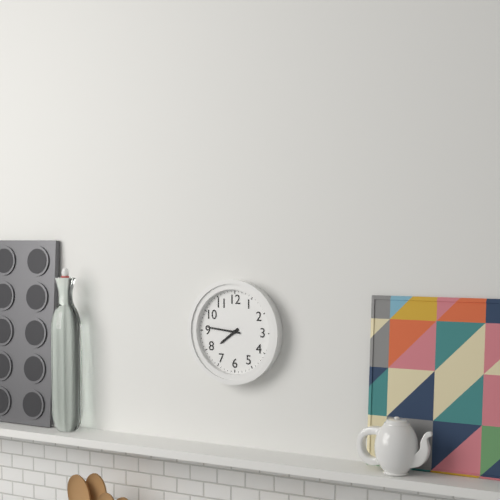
7 h 46 min
